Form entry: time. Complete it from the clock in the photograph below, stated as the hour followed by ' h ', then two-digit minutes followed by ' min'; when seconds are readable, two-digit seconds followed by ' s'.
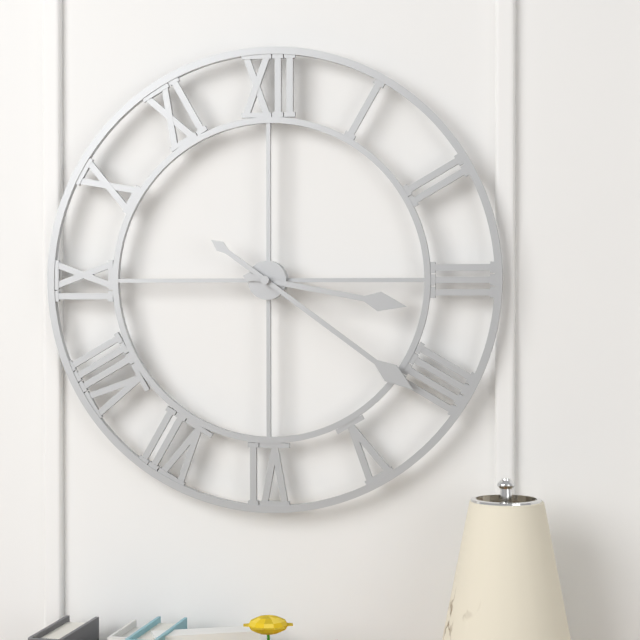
3 h 21 min
